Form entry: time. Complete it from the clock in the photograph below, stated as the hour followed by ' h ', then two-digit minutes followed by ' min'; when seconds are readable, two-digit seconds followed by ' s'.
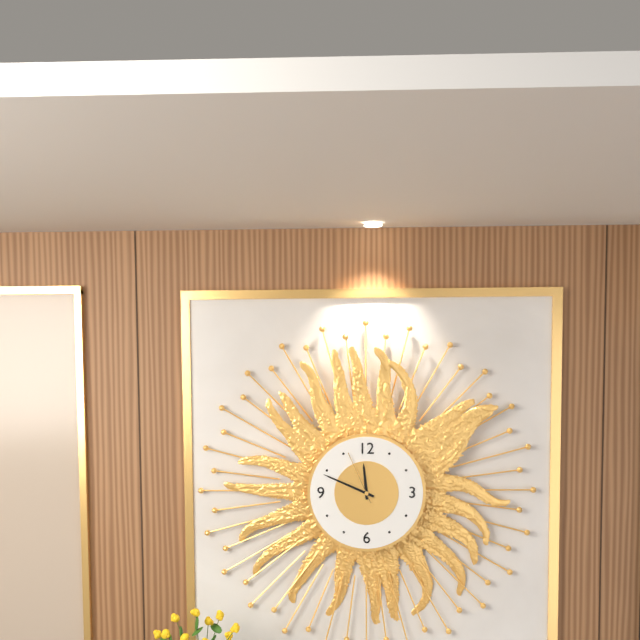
11 h 49 min 56 s
